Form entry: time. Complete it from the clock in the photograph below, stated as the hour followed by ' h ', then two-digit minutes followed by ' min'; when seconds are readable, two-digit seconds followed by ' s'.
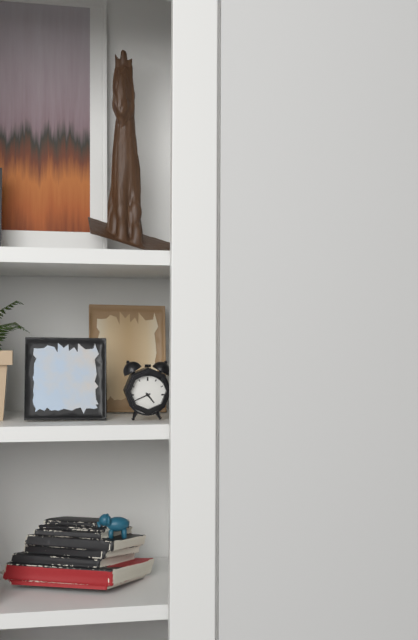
4 h 41 min
